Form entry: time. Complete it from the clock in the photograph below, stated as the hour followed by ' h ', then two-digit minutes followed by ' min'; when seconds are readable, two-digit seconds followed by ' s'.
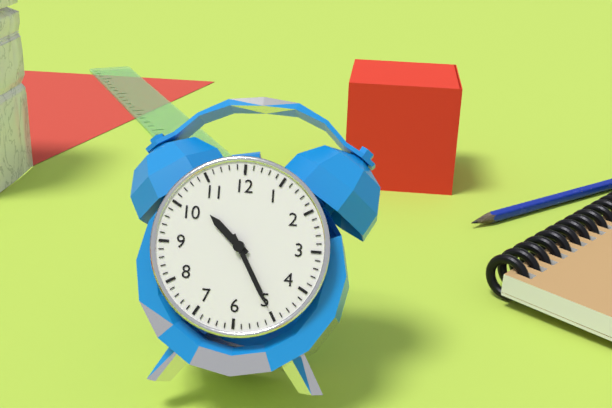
10 h 25 min
